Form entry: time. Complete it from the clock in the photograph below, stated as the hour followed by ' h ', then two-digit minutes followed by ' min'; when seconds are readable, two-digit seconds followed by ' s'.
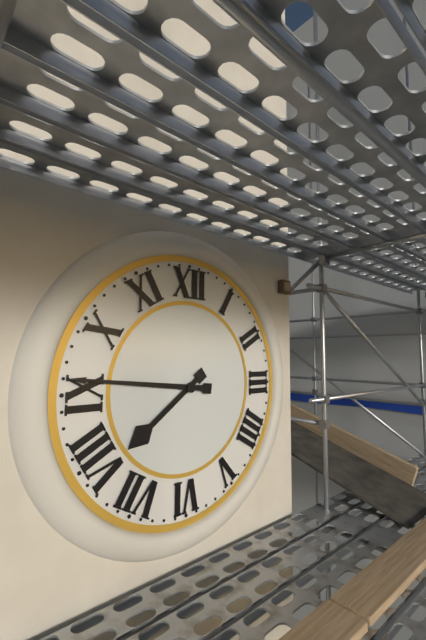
7 h 46 min
